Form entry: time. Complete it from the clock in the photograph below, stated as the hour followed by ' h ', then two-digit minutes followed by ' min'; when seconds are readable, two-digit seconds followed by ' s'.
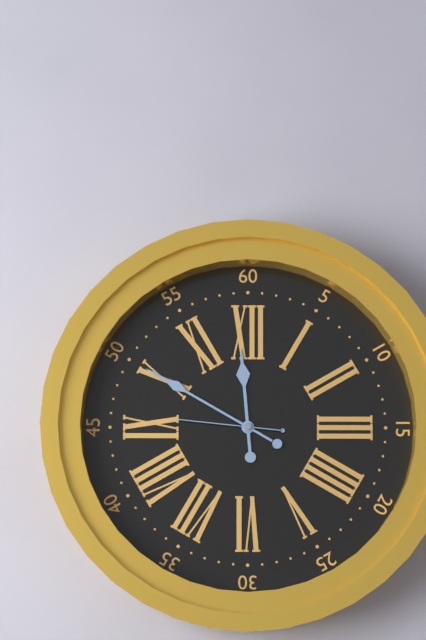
11 h 50 min 46 s
